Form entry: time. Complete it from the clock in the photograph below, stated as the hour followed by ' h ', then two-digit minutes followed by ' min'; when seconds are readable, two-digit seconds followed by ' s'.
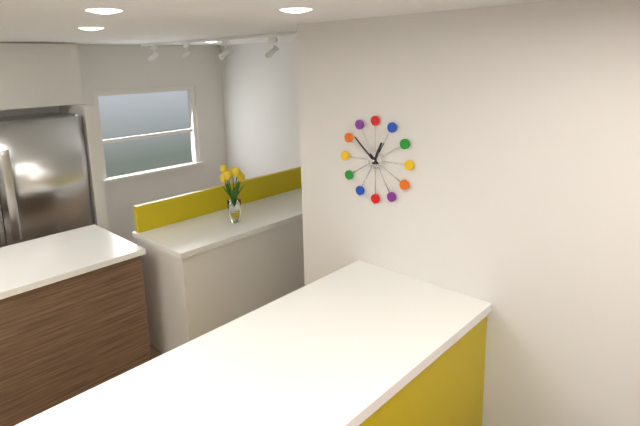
12 h 52 min
